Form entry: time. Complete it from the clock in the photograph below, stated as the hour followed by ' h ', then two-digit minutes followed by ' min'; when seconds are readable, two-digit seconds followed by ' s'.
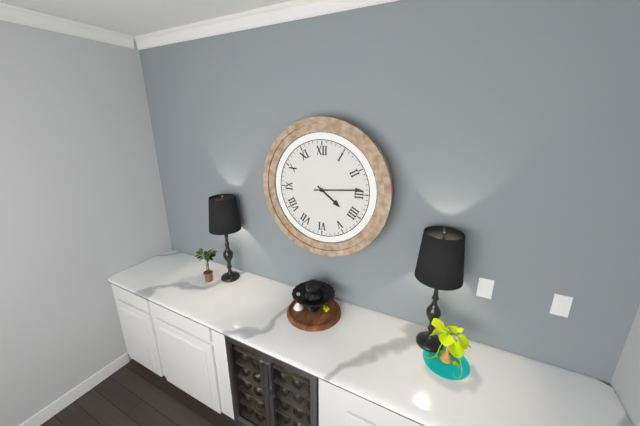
4 h 14 min
